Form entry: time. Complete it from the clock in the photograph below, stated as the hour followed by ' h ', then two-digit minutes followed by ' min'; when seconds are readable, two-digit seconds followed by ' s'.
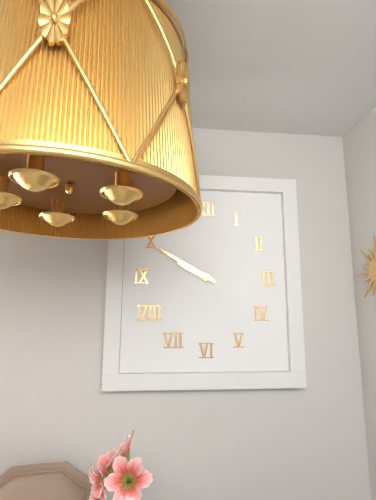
9 h 50 min
